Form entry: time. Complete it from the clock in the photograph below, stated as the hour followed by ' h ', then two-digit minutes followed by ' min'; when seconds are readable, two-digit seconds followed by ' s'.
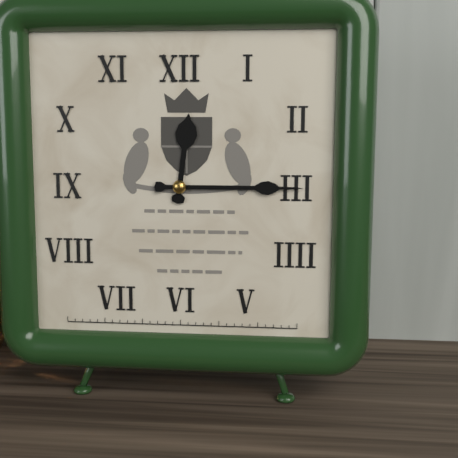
12 h 15 min
